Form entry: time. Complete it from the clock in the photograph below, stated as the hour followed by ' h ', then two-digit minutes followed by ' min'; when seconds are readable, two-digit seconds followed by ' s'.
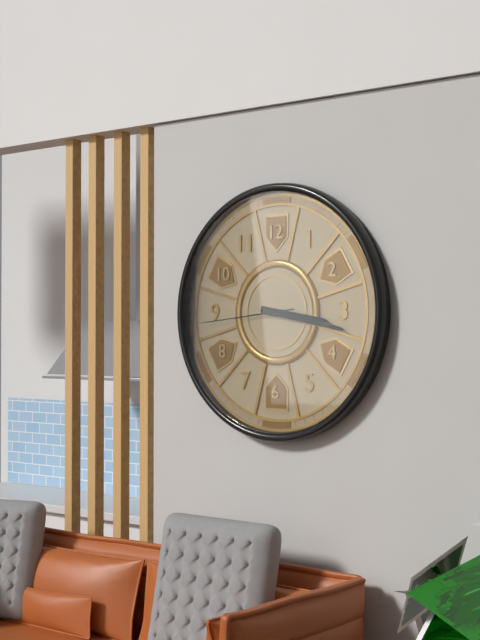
3 h 17 min 44 s
